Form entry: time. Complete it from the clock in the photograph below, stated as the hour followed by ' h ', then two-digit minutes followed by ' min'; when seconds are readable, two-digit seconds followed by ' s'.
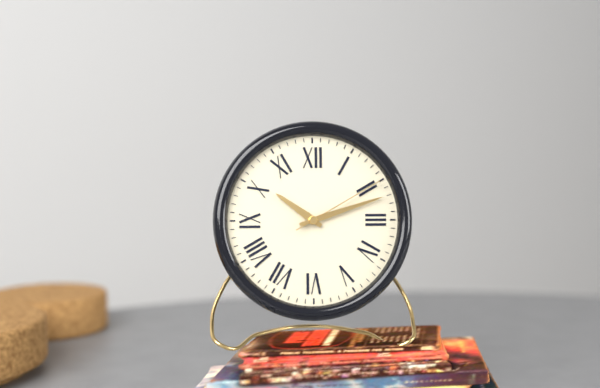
10 h 12 min 10 s
